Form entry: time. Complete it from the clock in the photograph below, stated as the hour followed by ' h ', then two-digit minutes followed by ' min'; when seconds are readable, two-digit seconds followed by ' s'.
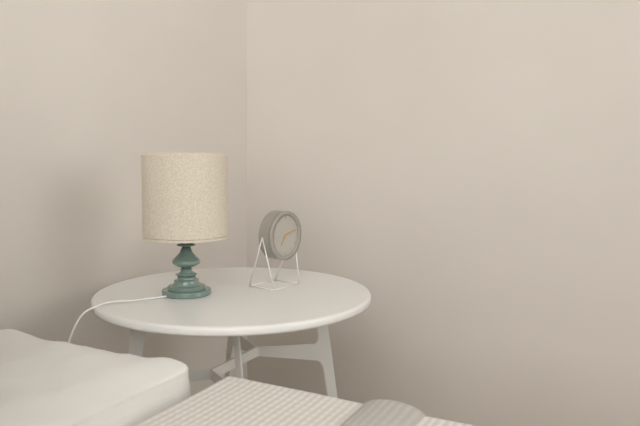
7 h 12 min
